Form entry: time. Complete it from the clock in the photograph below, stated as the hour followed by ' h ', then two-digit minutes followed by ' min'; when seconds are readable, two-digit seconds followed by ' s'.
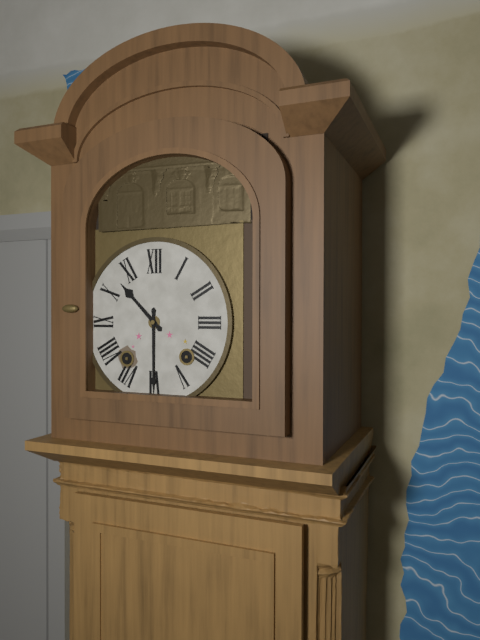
10 h 30 min
